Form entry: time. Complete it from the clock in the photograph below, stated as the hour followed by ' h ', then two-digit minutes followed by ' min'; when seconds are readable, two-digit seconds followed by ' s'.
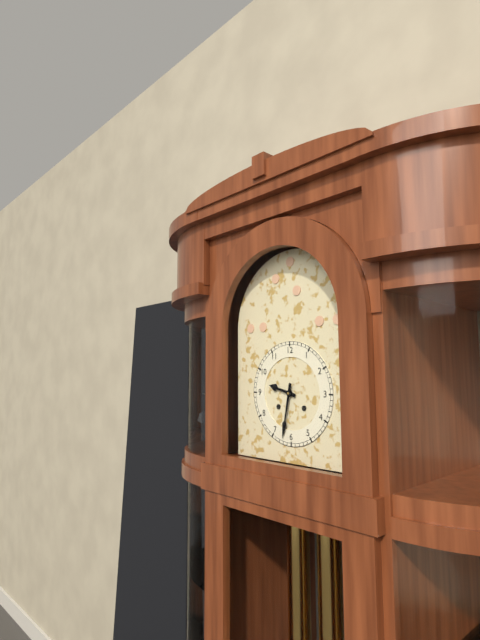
9 h 32 min
